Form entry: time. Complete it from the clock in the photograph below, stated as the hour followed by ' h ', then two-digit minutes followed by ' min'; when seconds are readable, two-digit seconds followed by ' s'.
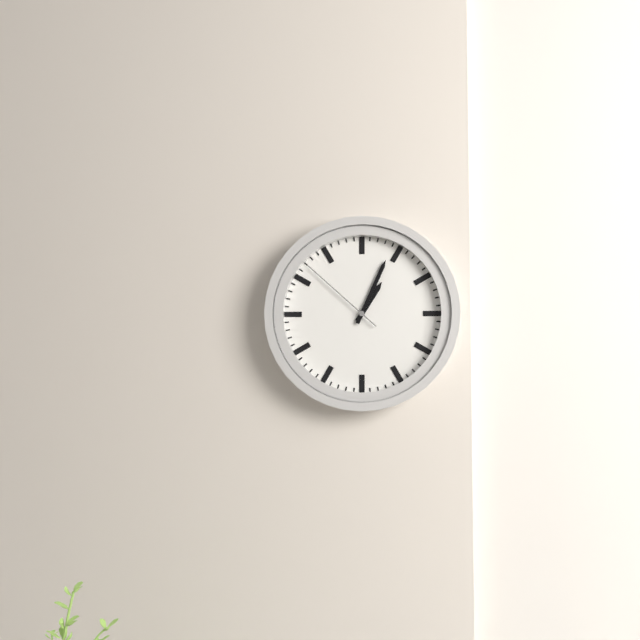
1 h 04 min 52 s
